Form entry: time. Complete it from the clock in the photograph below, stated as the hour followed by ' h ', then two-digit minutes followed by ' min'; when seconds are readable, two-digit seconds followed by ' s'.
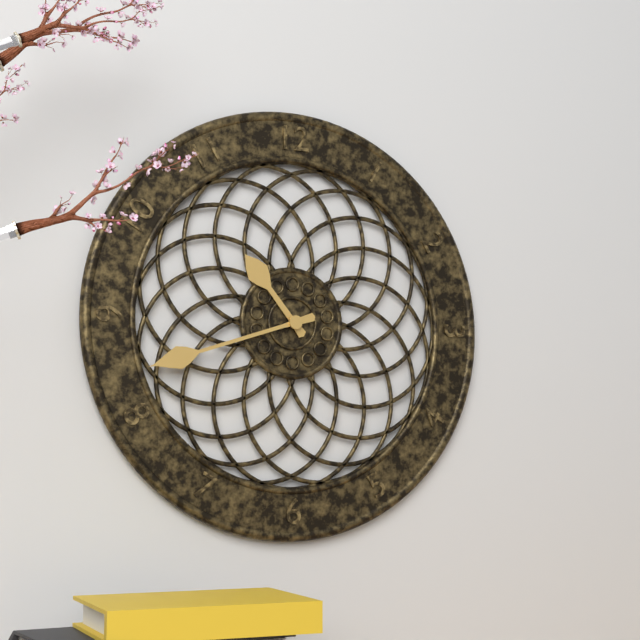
10 h 42 min
